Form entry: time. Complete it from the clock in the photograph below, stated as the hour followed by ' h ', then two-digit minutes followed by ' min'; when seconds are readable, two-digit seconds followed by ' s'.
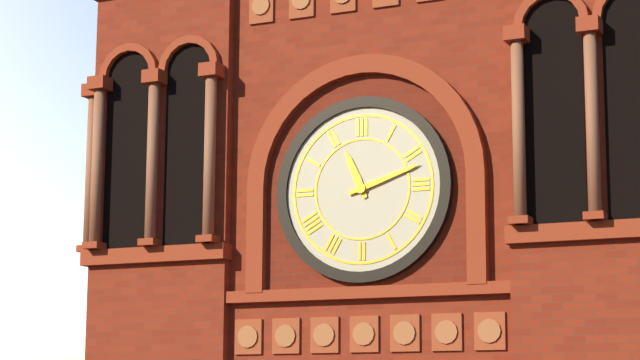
11 h 12 min
